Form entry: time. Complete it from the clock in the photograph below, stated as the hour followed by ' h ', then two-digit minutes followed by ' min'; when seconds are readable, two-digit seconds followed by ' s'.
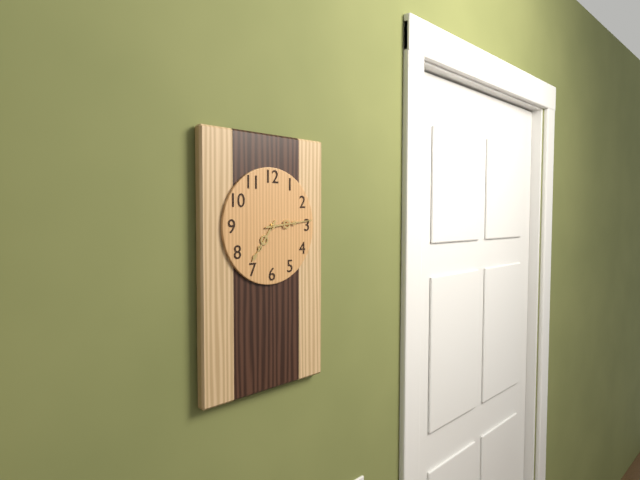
7 h 14 min
